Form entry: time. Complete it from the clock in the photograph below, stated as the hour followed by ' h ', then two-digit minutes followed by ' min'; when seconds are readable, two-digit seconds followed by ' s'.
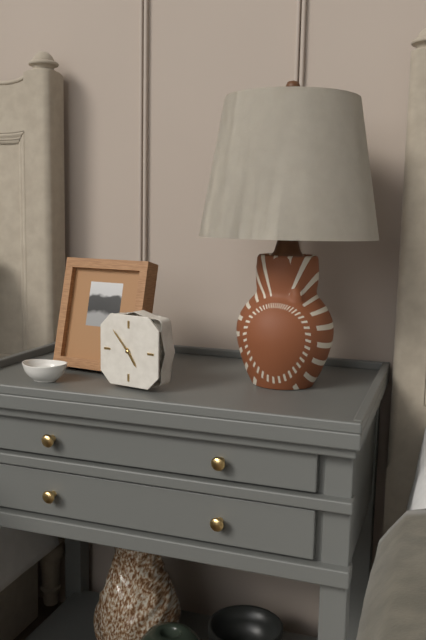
4 h 53 min
